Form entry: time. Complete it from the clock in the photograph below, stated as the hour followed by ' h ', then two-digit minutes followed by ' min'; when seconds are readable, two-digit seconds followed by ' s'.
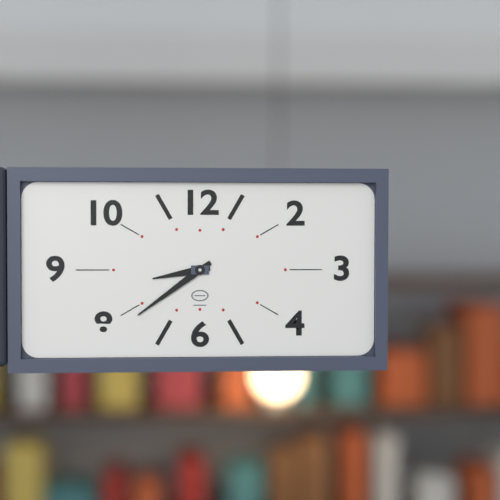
8 h 39 min
